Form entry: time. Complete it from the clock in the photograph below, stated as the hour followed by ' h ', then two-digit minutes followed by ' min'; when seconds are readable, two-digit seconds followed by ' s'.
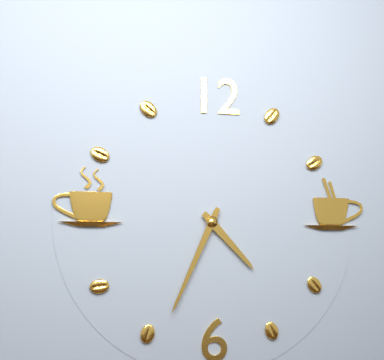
4 h 34 min
